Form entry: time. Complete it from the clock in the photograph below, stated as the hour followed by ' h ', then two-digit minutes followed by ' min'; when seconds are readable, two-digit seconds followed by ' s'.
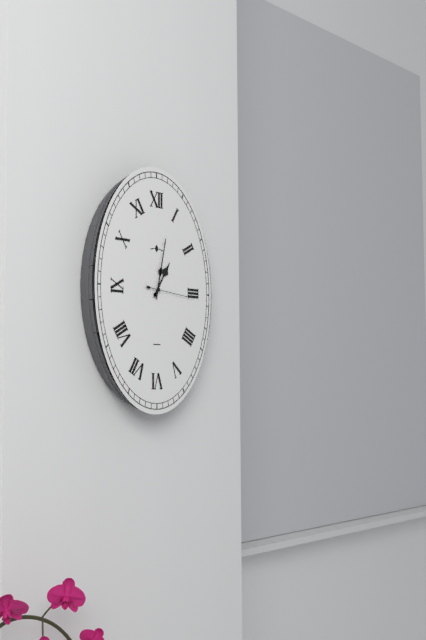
1 h 02 min
